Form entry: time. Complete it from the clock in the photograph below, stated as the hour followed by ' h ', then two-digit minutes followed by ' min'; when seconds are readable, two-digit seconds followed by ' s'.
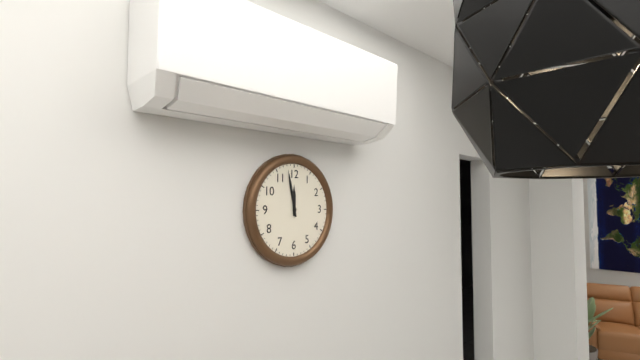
11 h 58 min
